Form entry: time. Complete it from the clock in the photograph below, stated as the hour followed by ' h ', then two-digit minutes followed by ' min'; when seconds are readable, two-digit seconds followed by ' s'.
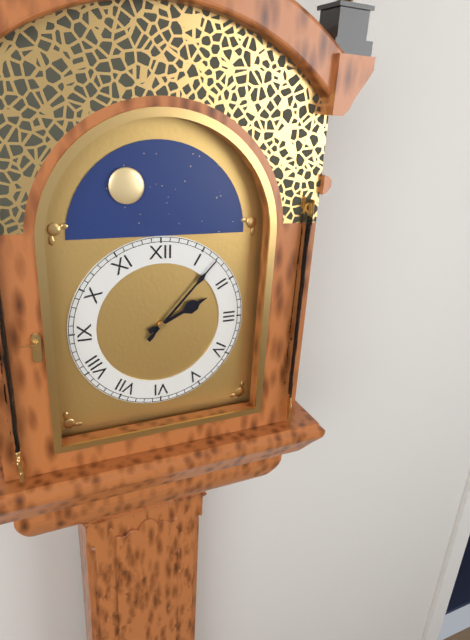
2 h 07 min
